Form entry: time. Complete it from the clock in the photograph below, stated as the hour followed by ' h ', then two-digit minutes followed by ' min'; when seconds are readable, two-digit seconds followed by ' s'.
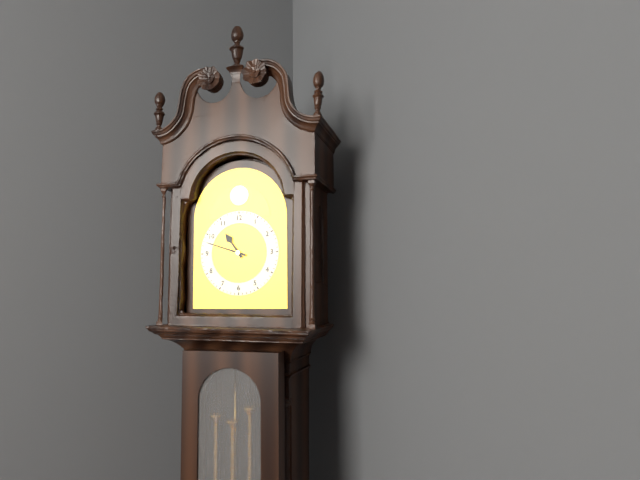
10 h 48 min
